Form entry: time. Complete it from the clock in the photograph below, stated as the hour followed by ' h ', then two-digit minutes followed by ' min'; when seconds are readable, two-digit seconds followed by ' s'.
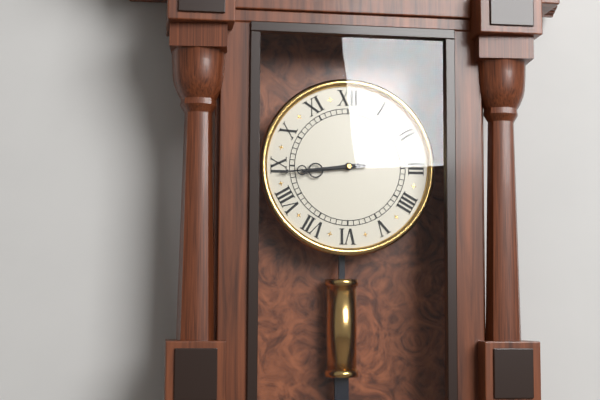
8 h 44 min
